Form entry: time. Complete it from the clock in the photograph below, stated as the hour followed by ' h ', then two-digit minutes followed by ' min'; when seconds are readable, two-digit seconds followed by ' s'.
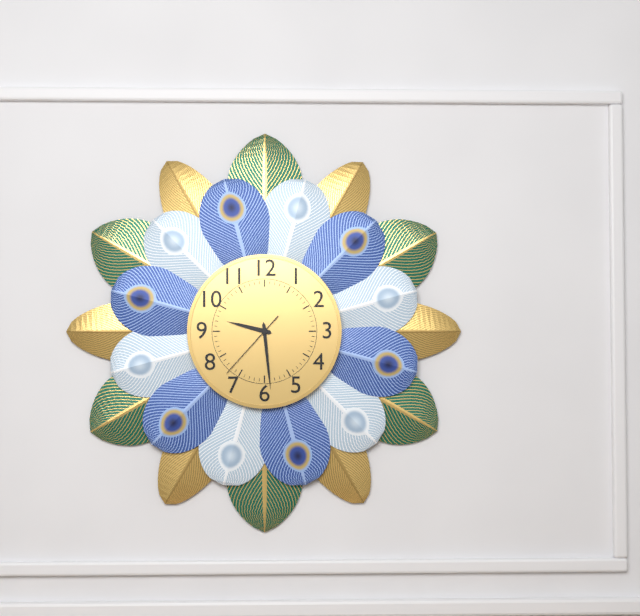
9 h 29 min 37 s
